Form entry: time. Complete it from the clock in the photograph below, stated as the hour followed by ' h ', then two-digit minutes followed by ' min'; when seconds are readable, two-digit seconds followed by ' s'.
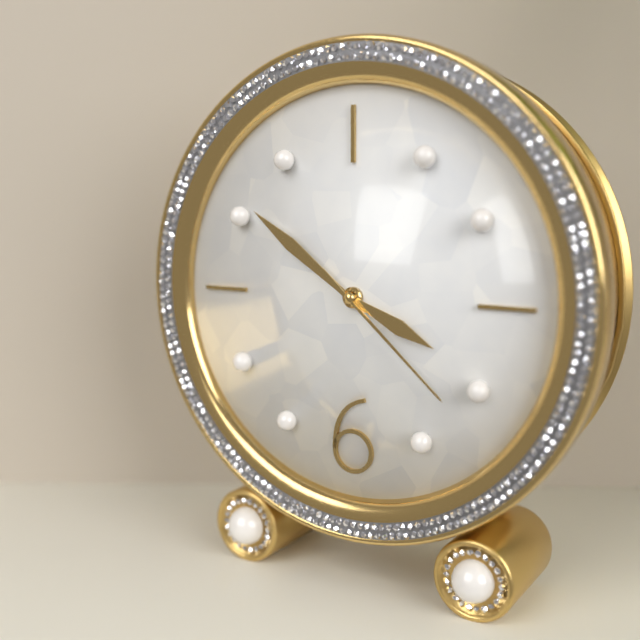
3 h 51 min 22 s
